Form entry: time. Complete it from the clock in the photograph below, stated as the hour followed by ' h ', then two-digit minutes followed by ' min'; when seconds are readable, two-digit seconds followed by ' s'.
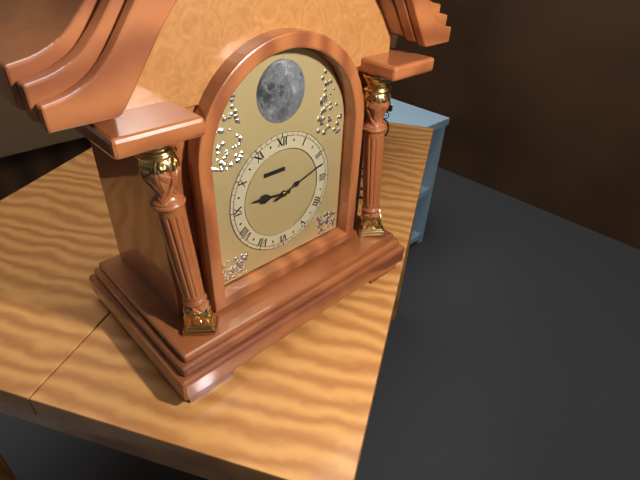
9 h 12 min
